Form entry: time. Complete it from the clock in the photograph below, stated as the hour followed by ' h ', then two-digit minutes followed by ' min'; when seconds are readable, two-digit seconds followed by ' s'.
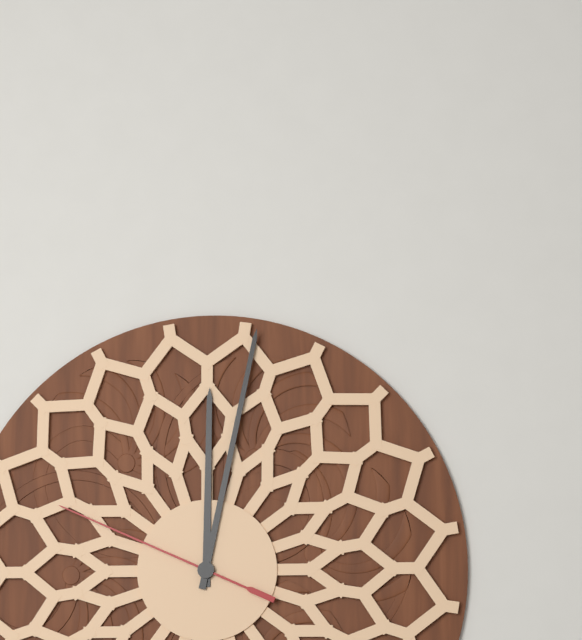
12 h 02 min 49 s
